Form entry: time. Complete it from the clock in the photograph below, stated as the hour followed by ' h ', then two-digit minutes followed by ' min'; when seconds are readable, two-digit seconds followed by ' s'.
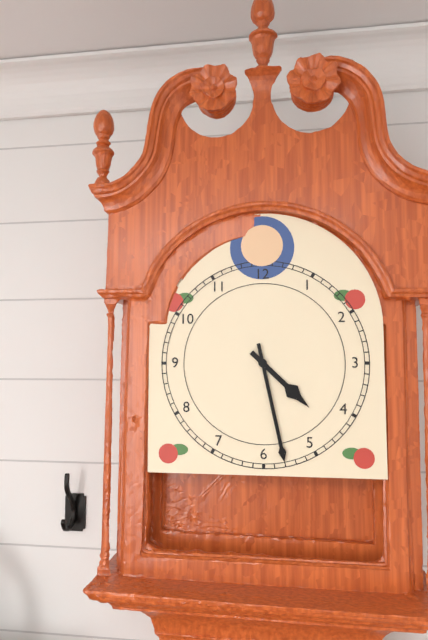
4 h 28 min
